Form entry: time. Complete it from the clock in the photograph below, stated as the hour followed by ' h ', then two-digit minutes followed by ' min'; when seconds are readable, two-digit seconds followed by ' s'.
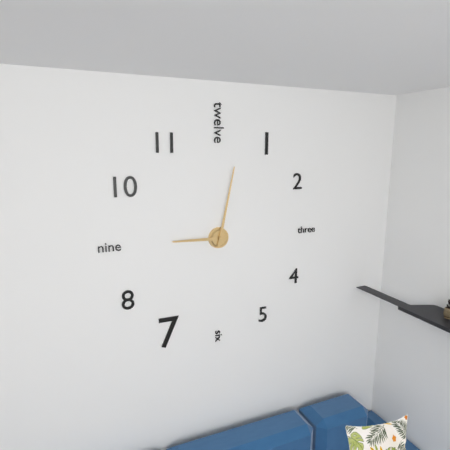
9 h 02 min
